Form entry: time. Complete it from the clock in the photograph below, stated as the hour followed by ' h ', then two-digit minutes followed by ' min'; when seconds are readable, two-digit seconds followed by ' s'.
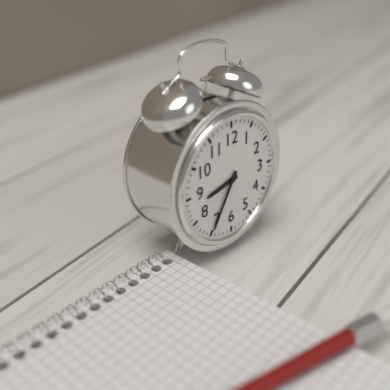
8 h 35 min
